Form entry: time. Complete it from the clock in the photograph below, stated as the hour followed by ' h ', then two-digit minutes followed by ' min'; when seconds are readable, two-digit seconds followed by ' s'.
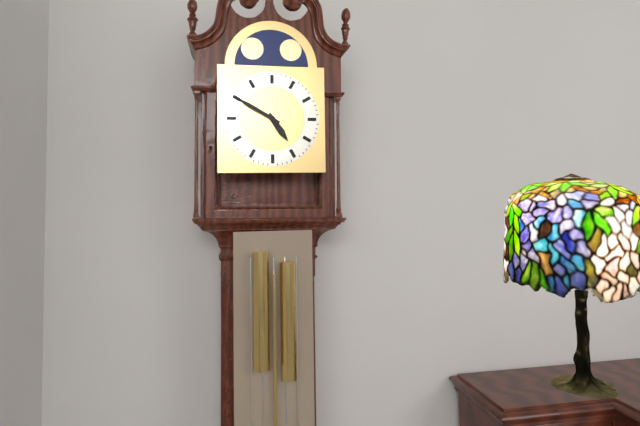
4 h 50 min
